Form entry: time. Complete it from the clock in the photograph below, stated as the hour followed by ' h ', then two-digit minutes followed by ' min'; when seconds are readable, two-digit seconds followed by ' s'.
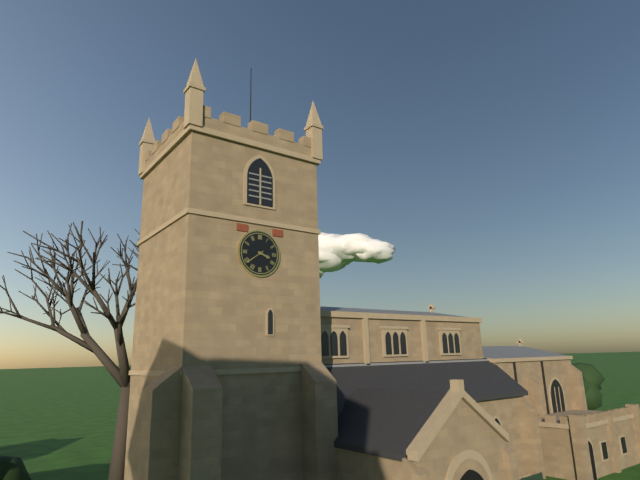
3 h 39 min
